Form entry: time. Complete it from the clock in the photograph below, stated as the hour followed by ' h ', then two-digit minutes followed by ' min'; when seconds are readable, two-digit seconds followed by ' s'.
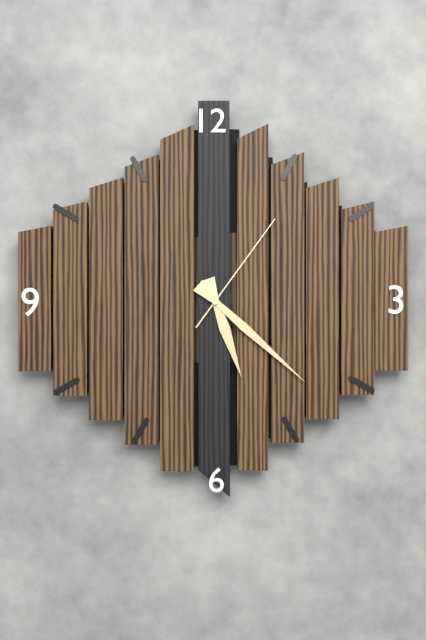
5 h 22 min 06 s
